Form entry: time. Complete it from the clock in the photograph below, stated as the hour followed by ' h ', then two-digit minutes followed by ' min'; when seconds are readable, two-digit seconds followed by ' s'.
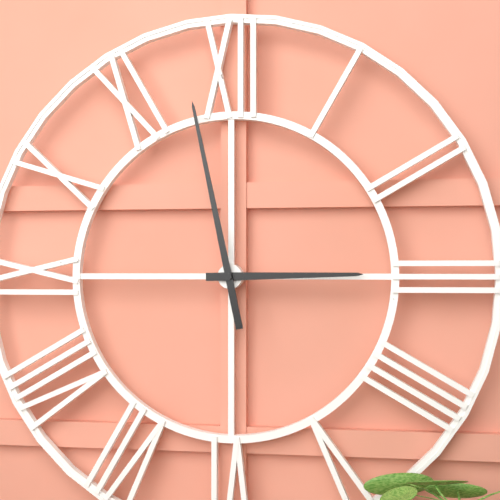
2 h 58 min
